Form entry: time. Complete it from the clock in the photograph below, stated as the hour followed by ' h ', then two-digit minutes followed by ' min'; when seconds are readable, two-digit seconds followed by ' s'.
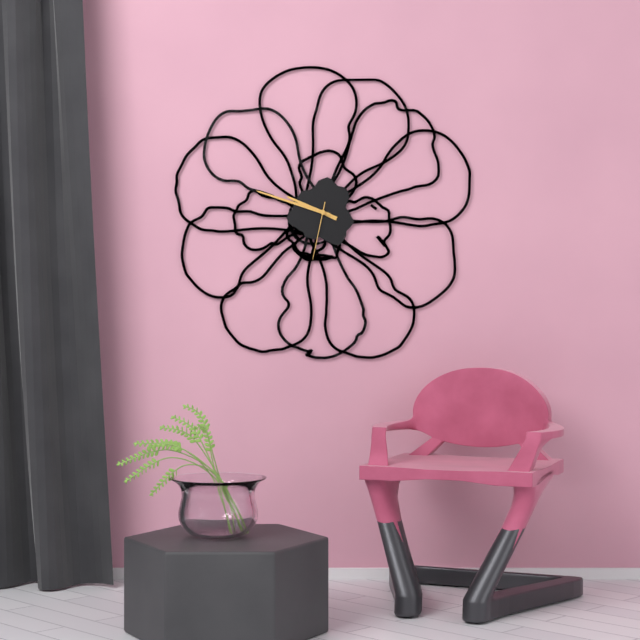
9 h 48 min 32 s
